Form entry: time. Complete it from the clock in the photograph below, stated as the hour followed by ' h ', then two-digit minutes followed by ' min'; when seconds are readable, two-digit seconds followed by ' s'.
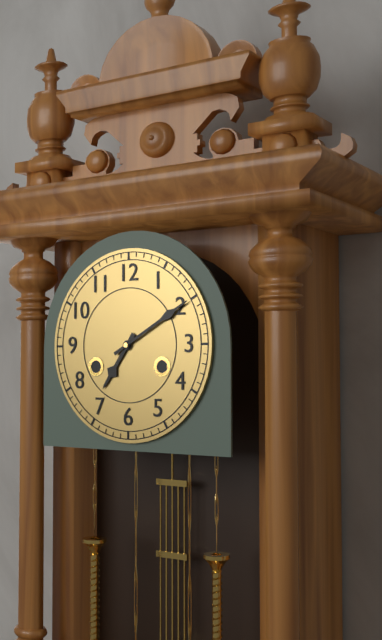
7 h 10 min
